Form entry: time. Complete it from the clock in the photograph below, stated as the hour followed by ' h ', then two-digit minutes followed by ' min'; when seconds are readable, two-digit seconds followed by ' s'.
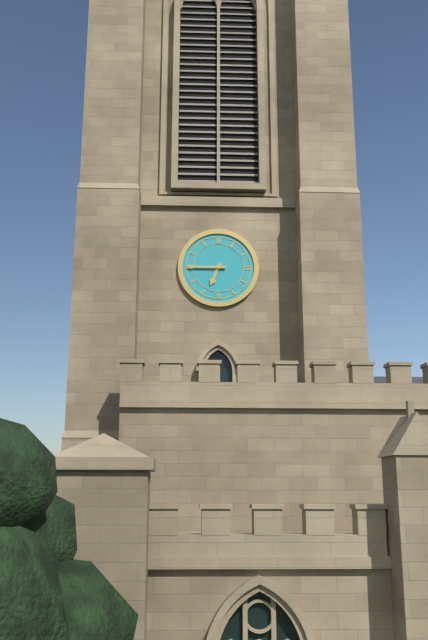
6 h 45 min
